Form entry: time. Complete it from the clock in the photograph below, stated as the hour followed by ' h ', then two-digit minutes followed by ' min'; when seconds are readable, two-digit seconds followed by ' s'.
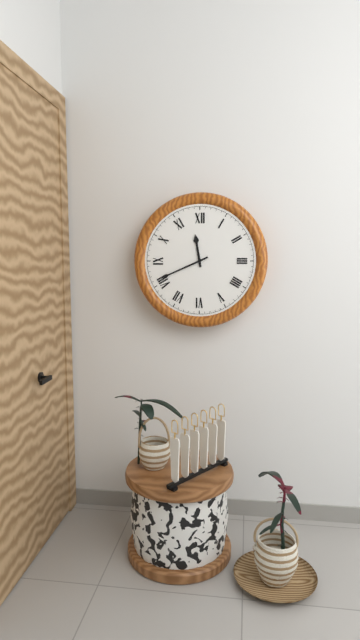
11 h 41 min
